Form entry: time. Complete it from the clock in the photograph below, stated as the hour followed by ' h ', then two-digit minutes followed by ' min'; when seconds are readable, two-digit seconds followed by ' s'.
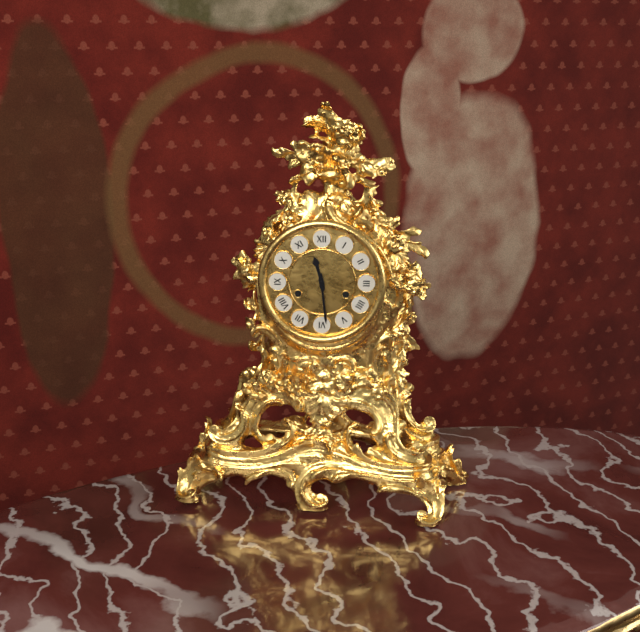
11 h 29 min
